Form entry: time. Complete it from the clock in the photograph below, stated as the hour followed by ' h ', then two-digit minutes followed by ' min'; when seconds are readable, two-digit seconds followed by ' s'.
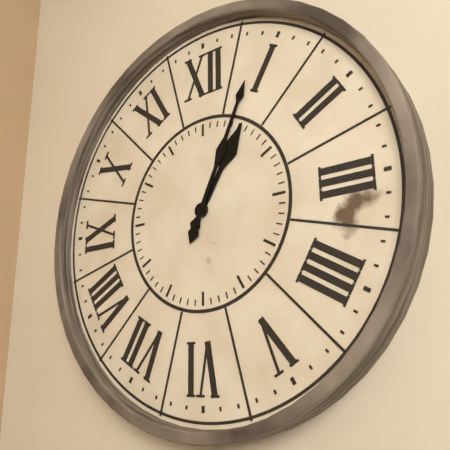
1 h 04 min
